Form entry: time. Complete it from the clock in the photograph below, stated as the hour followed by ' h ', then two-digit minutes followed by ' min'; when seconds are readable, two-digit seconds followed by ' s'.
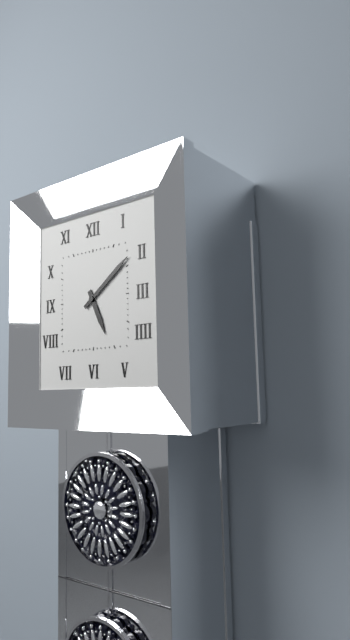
5 h 09 min
